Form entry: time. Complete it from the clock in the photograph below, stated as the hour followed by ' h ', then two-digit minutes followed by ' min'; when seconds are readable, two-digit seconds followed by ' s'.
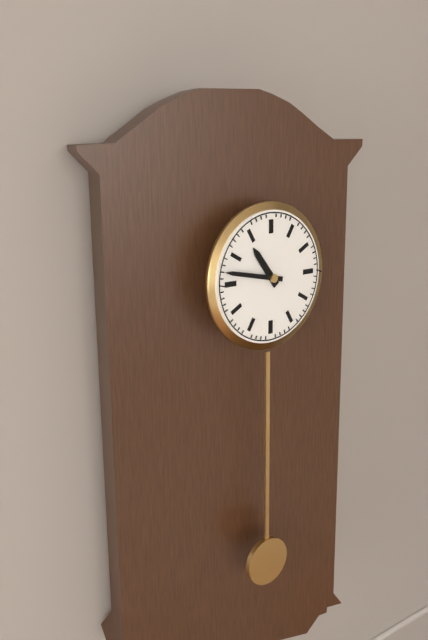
10 h 47 min
